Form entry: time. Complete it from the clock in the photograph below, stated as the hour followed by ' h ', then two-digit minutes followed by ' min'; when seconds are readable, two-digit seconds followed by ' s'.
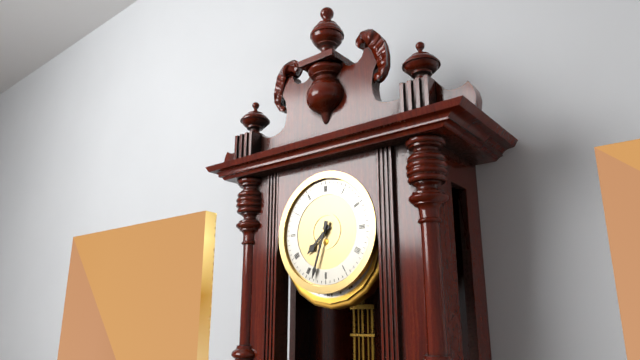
7 h 33 min
